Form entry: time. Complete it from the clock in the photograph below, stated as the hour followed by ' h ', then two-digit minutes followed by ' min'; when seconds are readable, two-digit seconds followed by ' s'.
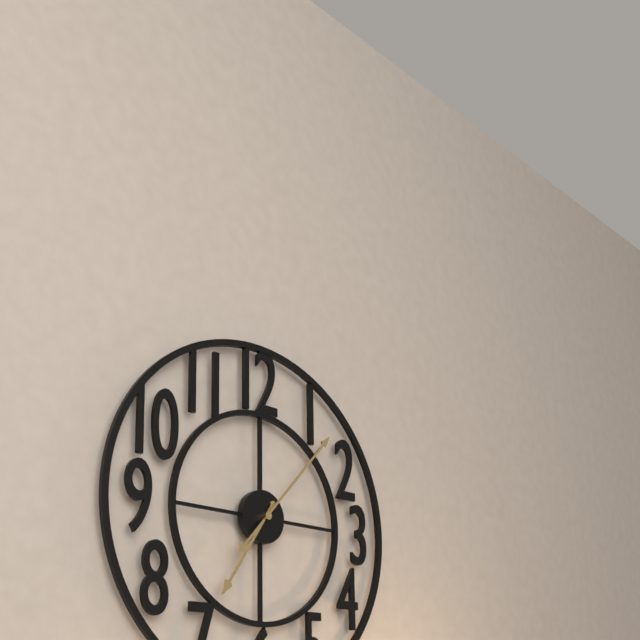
7 h 07 min
